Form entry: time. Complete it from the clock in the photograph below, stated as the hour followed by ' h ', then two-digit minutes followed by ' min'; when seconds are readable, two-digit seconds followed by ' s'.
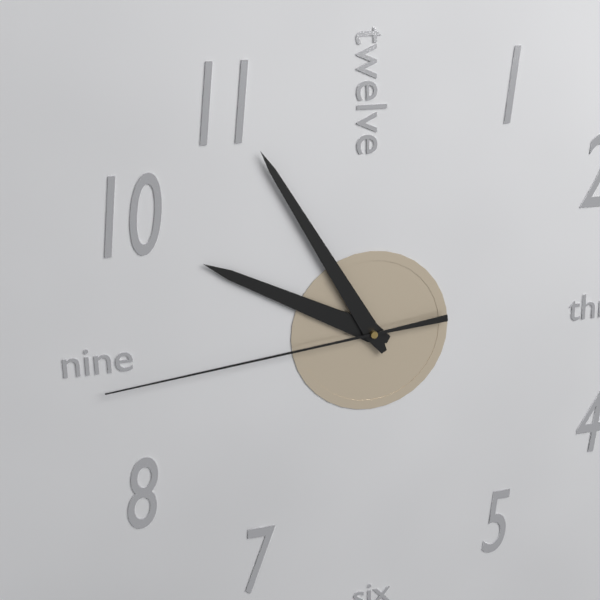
9 h 55 min 44 s
